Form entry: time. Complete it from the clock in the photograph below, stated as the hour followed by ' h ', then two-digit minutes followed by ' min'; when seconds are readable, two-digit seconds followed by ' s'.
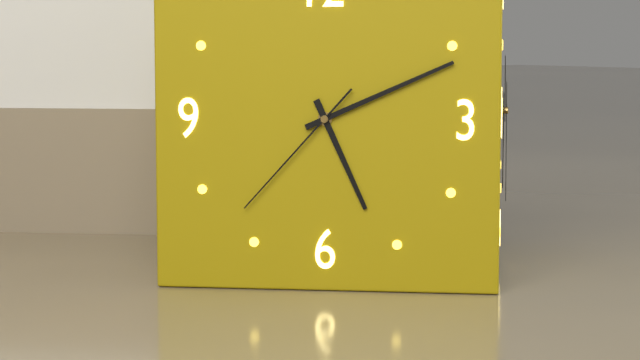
5 h 11 min 37 s
